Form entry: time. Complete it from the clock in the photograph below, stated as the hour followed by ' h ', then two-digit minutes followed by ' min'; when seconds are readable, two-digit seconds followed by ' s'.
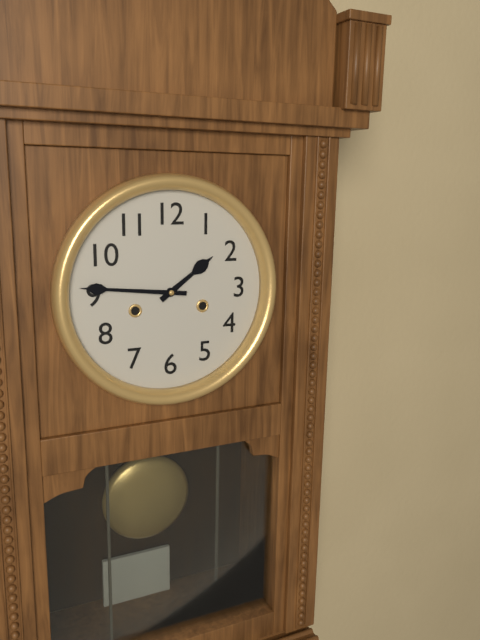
1 h 46 min
